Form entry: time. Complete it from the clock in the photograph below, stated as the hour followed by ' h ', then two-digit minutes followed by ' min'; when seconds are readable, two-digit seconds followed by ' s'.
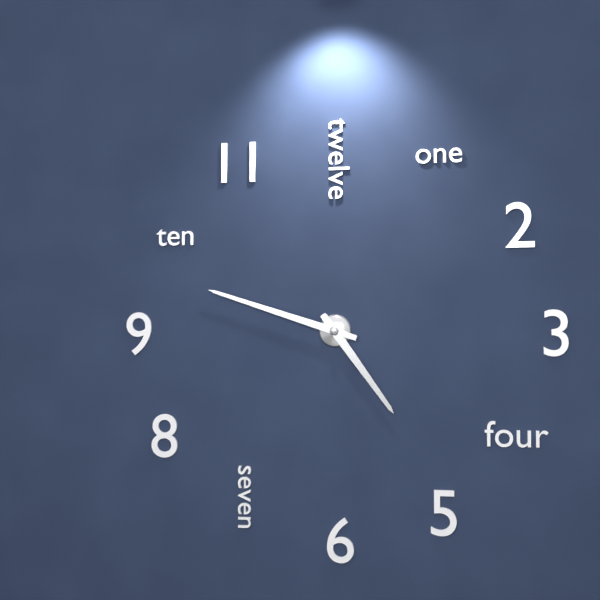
4 h 48 min
